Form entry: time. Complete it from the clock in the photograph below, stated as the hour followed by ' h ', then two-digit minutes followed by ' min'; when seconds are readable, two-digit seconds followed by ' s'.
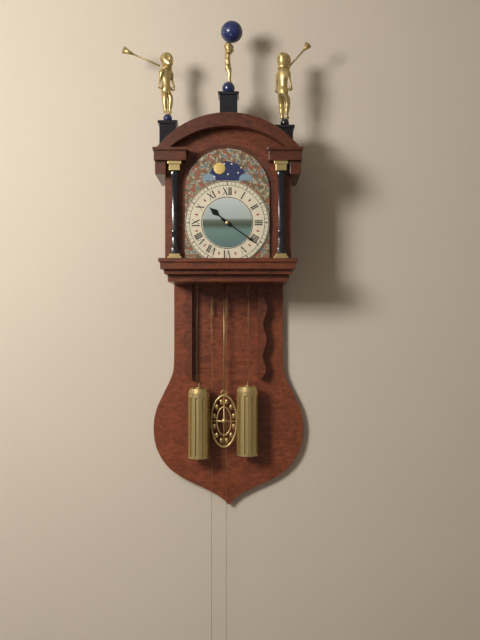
10 h 21 min
